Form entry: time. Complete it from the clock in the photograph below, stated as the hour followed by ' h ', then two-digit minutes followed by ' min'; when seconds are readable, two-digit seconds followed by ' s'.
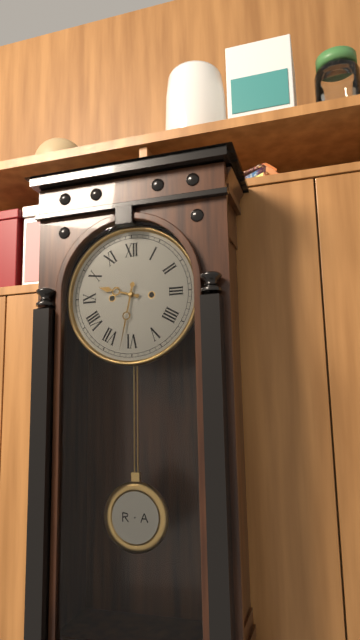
9 h 32 min
